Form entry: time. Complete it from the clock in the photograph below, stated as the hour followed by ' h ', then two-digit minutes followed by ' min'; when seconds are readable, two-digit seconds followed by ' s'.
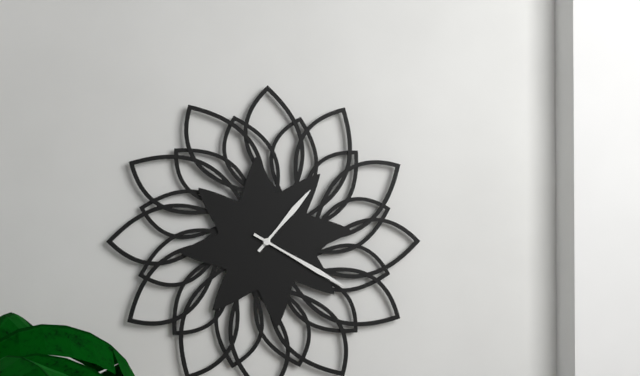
1 h 20 min
